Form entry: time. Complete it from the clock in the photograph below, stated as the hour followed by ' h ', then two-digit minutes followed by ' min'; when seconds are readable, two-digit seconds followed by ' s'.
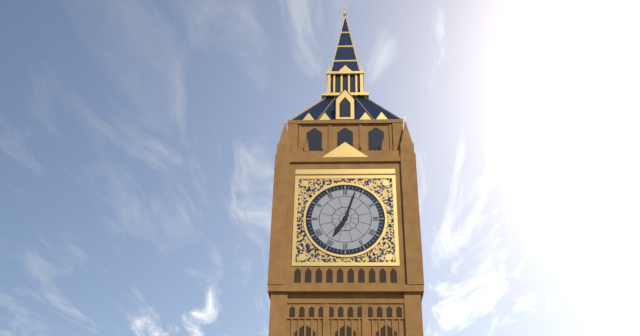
7 h 03 min
